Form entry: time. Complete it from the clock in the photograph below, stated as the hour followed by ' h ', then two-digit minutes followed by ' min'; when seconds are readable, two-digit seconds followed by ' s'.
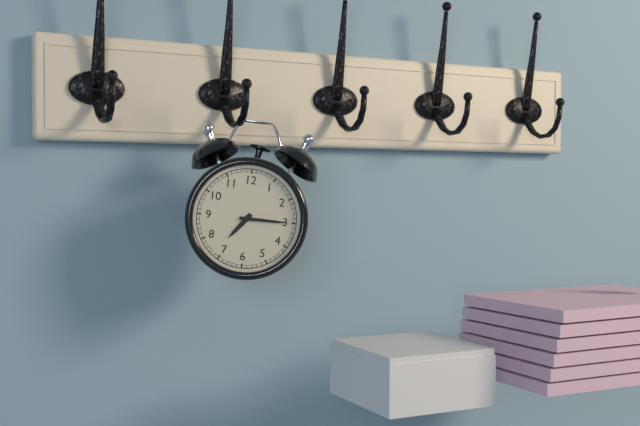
7 h 15 min
